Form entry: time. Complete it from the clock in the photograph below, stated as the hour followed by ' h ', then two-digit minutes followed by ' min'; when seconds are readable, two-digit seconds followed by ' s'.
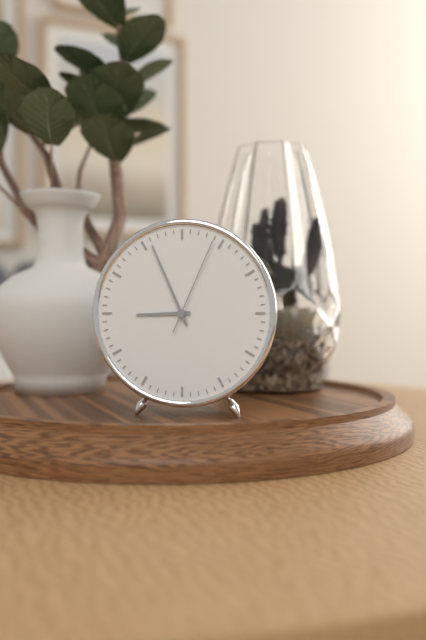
8 h 56 min 04 s
